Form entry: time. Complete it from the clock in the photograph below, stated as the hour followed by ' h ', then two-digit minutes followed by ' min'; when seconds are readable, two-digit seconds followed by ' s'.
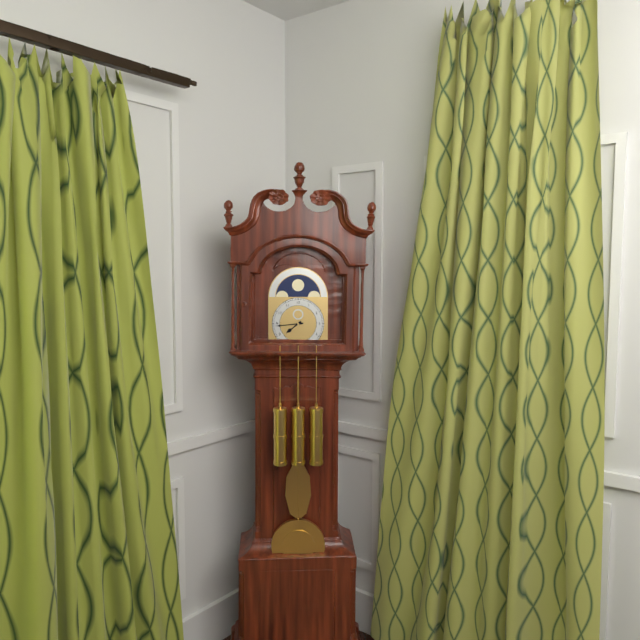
7 h 44 min
